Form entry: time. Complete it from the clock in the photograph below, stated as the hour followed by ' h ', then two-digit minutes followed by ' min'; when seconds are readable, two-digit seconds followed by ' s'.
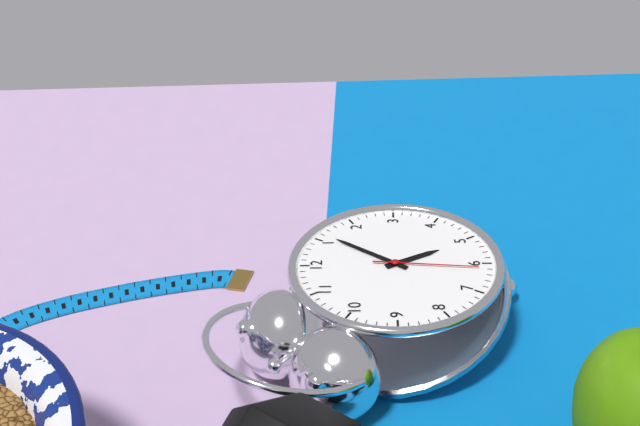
5 h 06 min 31 s
